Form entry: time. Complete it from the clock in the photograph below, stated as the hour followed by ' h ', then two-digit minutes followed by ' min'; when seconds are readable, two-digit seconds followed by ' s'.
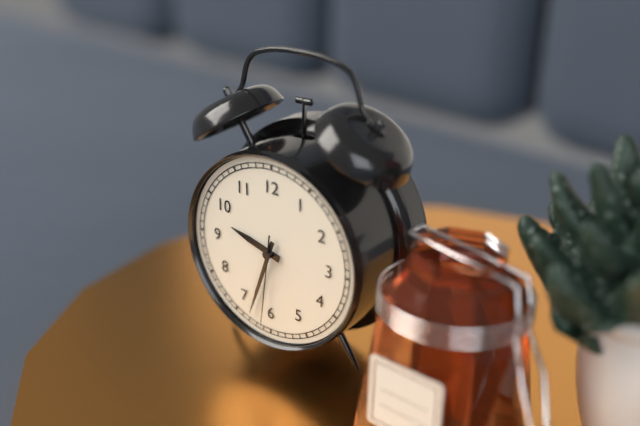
9 h 33 min 31 s
